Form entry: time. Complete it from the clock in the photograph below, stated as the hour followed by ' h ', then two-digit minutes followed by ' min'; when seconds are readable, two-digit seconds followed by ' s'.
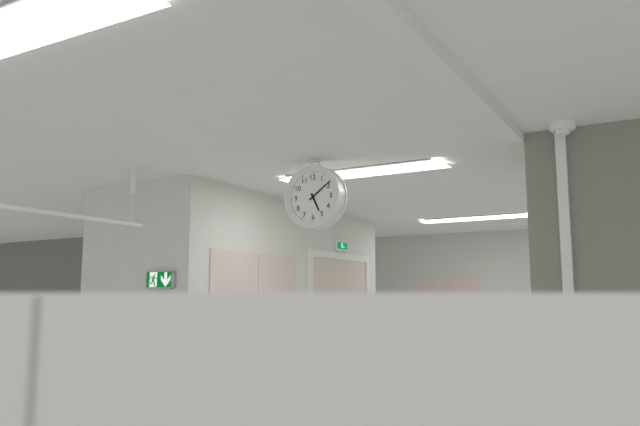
5 h 09 min
